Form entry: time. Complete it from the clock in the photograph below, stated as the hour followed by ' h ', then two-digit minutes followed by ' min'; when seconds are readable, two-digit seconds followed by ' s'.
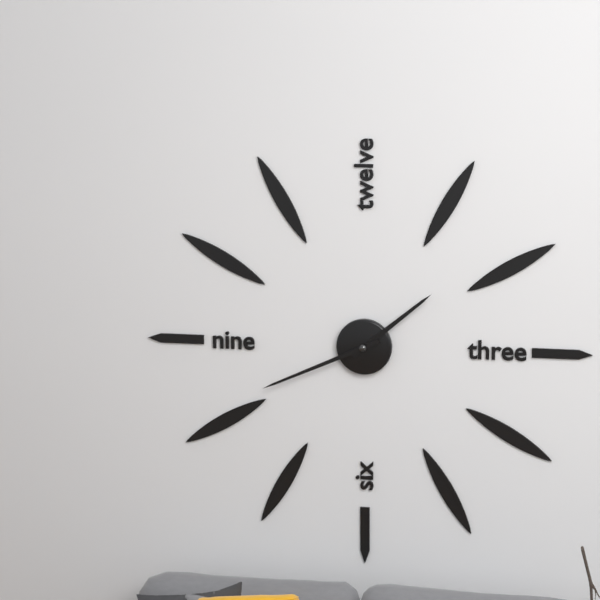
1 h 41 min
